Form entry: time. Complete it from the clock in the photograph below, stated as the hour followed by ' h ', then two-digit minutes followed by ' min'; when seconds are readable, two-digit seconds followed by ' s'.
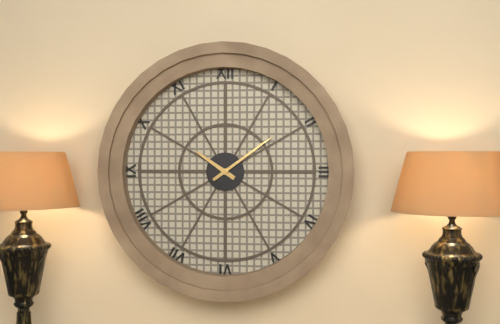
10 h 09 min
